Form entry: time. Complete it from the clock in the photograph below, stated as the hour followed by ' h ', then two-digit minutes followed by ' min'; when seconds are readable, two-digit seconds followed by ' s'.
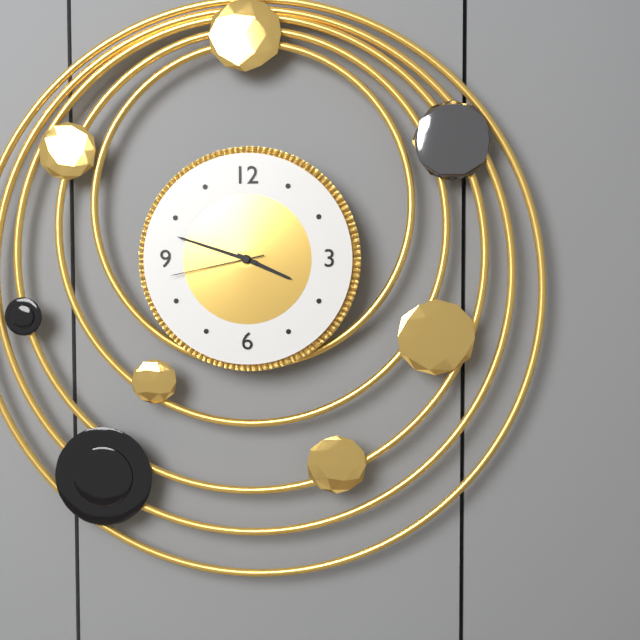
3 h 48 min 43 s
